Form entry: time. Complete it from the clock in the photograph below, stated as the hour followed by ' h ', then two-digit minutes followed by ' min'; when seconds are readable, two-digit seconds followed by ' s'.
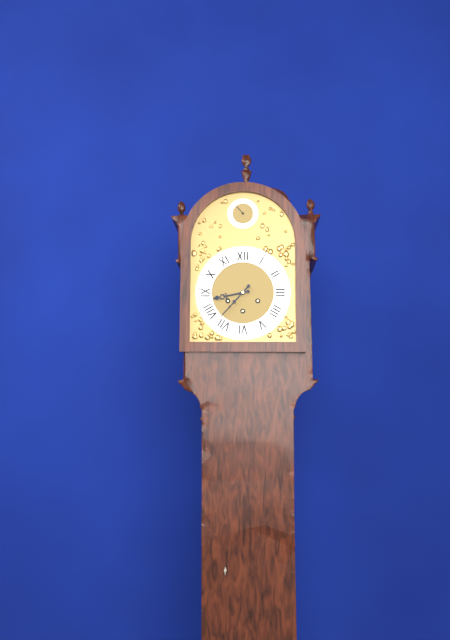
8 h 37 min
